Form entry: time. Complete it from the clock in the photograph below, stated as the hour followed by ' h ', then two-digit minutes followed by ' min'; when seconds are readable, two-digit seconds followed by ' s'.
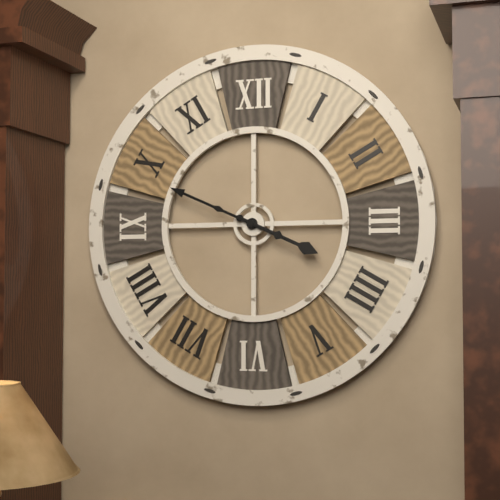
3 h 49 min
